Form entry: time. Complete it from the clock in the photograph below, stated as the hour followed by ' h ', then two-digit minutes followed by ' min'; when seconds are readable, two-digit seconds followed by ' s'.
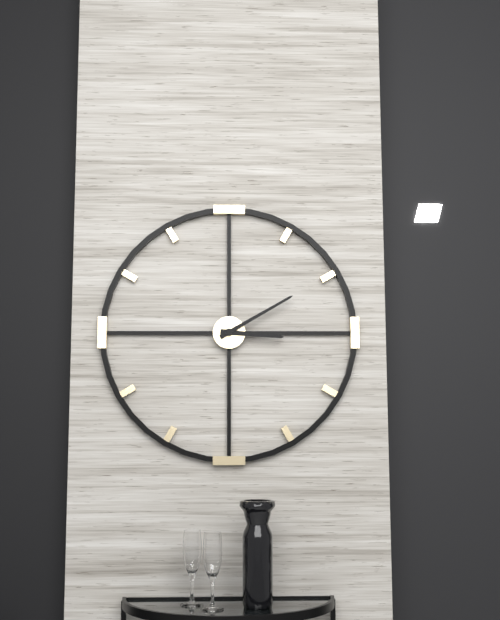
3 h 10 min
